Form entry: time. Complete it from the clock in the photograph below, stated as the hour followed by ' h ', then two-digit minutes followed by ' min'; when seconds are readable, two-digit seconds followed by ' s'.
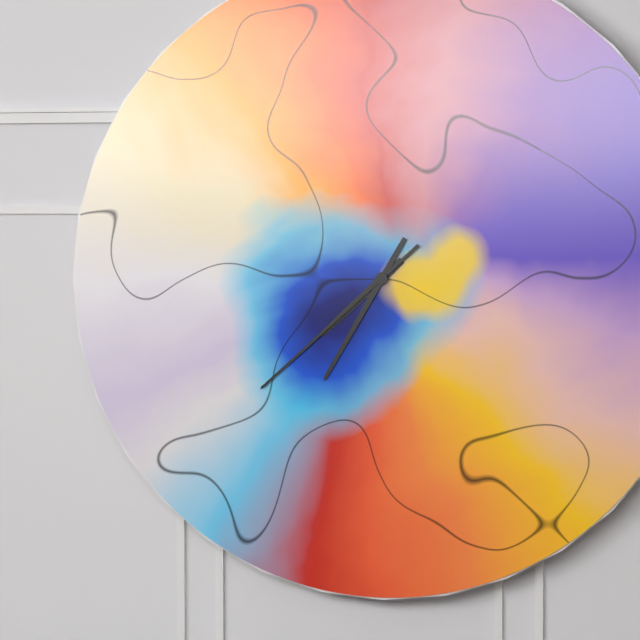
7 h 35 min 38 s
